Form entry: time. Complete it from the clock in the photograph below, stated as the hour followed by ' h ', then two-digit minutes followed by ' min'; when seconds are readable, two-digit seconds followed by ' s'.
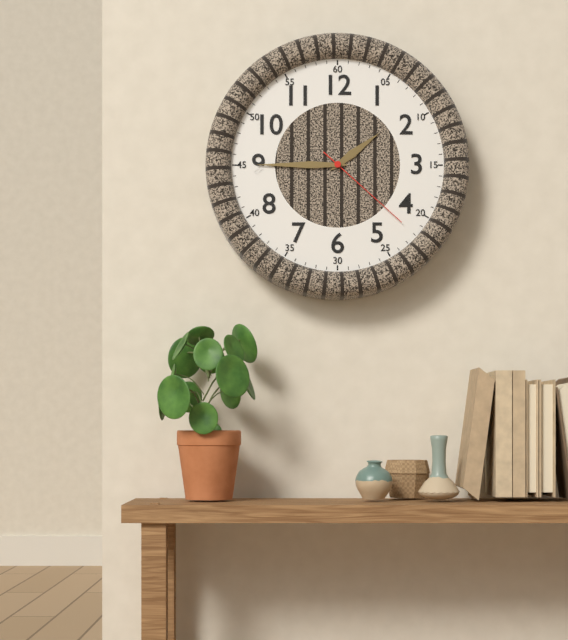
1 h 45 min 22 s
